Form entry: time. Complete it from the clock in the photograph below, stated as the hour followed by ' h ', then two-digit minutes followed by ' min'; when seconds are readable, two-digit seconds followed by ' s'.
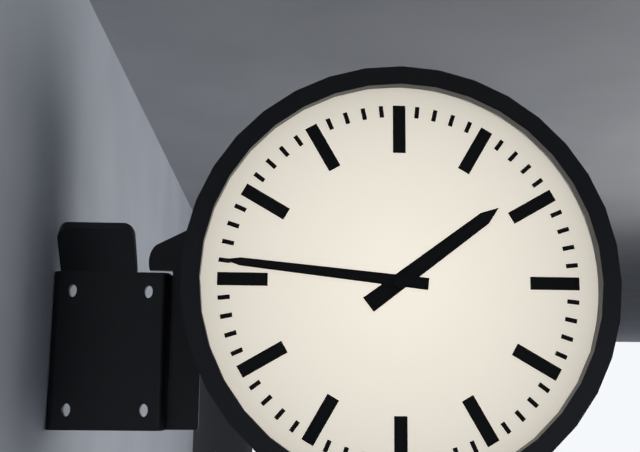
1 h 46 min
